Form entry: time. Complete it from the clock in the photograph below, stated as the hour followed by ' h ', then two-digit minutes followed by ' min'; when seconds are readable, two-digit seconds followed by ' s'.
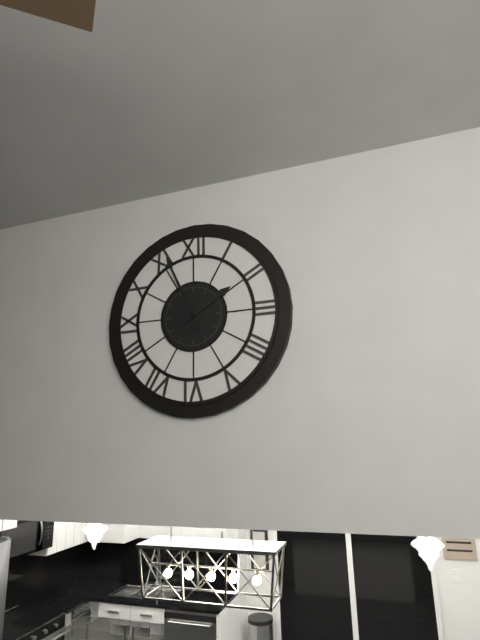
1 h 56 min
